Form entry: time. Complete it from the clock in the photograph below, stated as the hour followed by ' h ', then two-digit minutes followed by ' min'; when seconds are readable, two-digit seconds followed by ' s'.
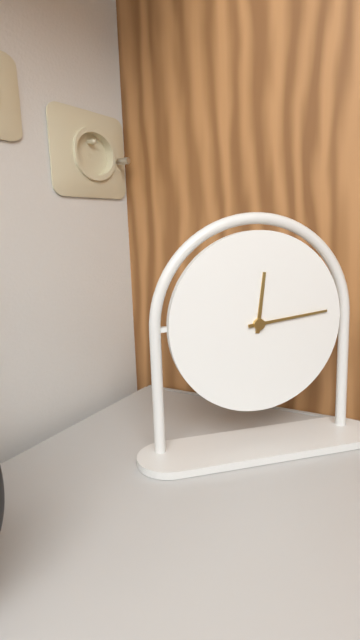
12 h 14 min
